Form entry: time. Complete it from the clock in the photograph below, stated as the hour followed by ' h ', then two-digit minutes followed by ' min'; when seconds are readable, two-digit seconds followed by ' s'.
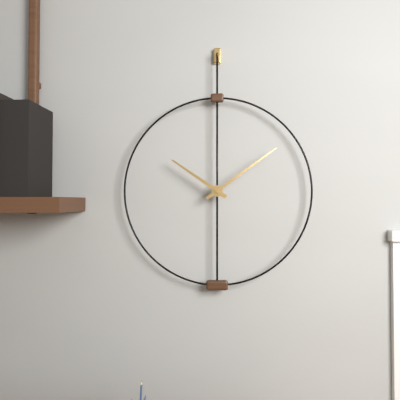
10 h 09 min
